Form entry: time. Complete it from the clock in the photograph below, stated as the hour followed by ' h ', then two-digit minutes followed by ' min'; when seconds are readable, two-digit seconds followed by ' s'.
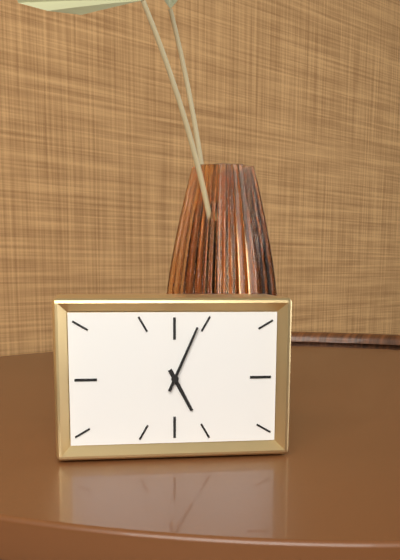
5 h 04 min
